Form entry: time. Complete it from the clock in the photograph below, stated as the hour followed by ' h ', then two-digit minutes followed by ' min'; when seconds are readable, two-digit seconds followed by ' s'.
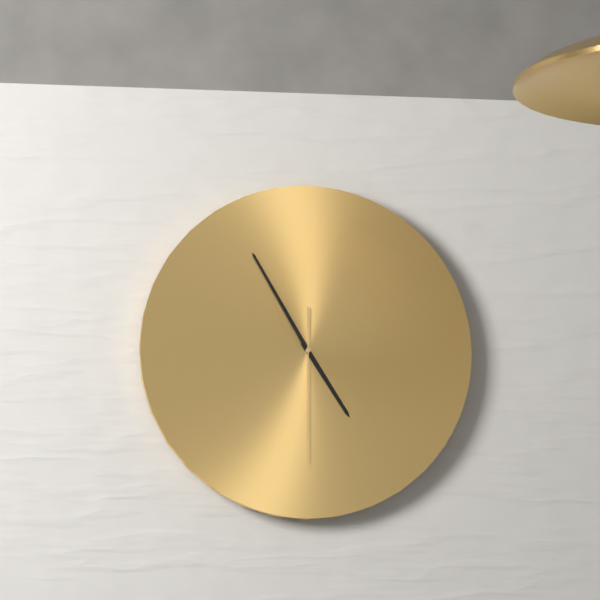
4 h 55 min 30 s
